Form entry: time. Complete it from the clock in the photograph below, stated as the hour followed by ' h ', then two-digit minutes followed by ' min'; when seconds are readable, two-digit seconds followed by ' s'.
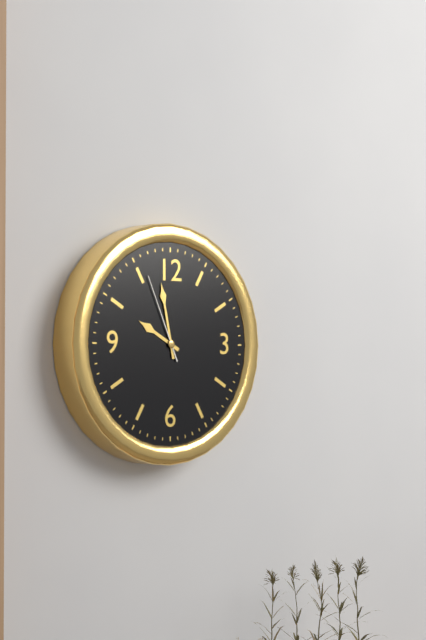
9 h 58 min 56 s
